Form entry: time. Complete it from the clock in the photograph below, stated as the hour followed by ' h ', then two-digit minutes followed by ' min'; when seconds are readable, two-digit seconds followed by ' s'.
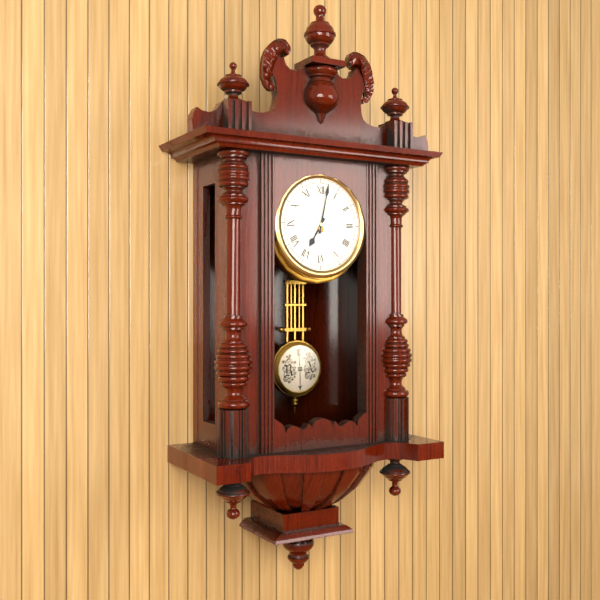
7 h 02 min
